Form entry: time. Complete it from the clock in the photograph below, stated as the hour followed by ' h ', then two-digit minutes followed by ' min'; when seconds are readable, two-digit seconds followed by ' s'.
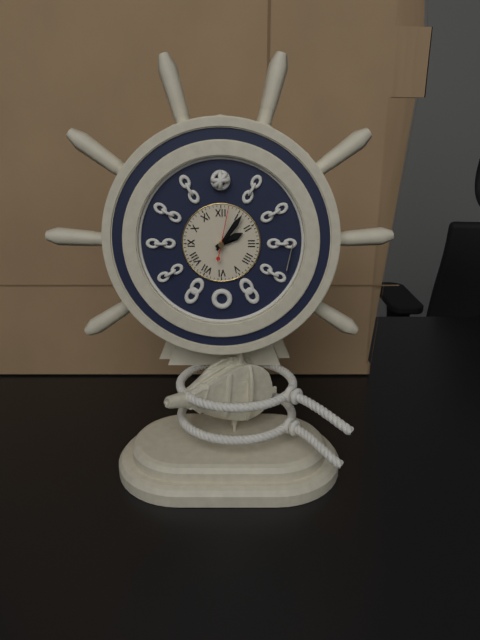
2 h 06 min
